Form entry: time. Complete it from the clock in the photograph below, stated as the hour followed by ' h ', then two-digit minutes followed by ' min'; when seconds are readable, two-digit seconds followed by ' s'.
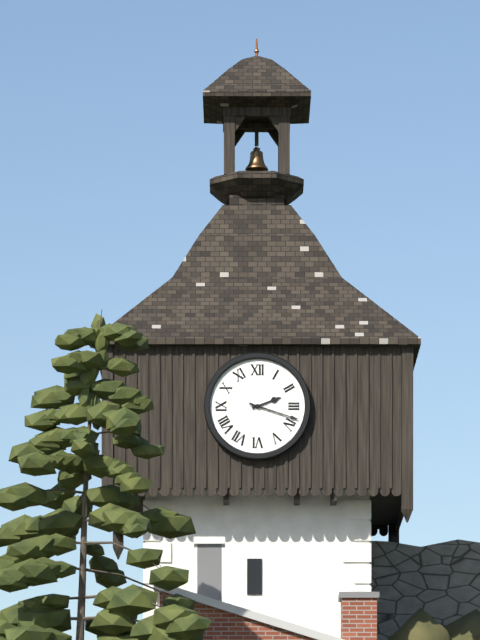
2 h 18 min
